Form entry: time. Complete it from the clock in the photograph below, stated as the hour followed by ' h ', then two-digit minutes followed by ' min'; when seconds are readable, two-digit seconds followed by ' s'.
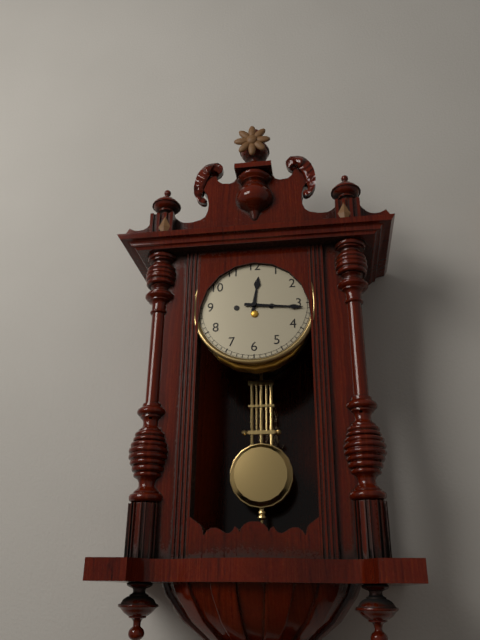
12 h 16 min
